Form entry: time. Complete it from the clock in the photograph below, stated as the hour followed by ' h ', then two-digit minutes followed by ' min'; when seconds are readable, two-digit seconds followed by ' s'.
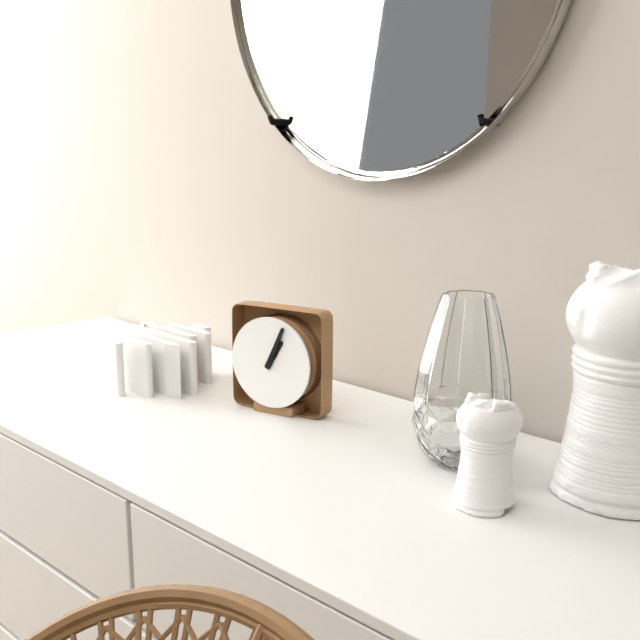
1 h 04 min
